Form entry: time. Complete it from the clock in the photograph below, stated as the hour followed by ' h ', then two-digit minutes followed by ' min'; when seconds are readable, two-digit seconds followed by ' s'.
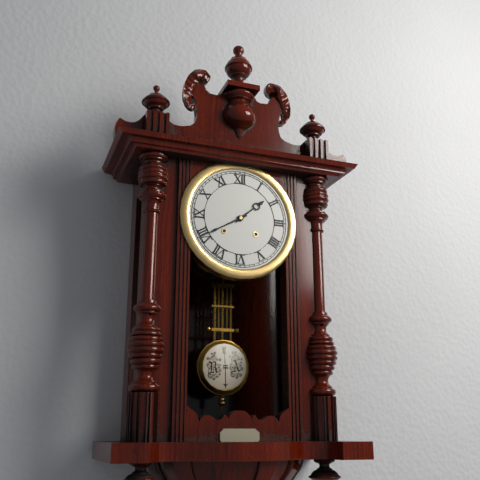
1 h 40 min
